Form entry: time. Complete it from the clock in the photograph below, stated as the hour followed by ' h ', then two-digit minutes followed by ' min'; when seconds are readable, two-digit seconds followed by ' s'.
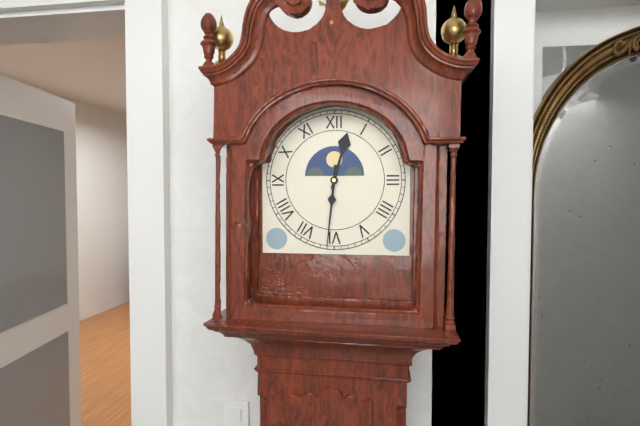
12 h 31 min
